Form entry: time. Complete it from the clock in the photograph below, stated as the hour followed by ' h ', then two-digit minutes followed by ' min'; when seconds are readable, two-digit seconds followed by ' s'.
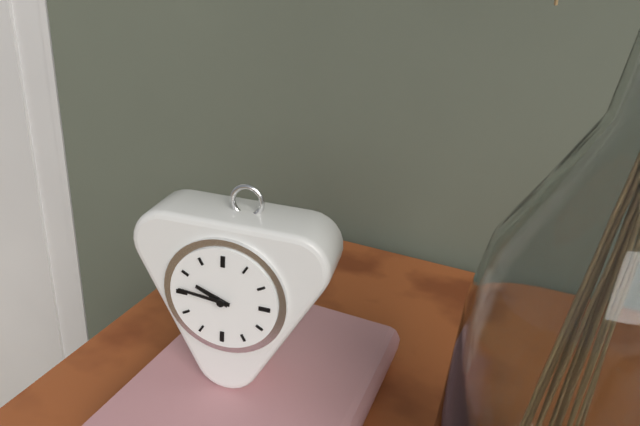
9 h 46 min
